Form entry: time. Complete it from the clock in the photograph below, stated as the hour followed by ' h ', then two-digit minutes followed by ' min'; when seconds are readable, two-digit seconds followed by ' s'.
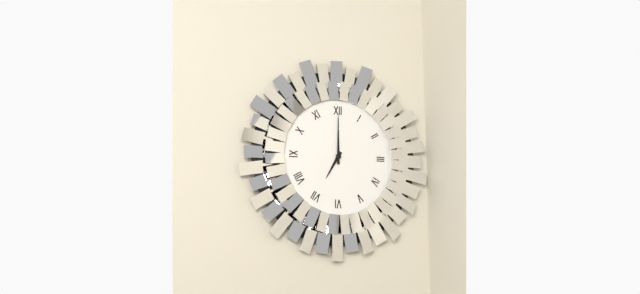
7 h 00 min
